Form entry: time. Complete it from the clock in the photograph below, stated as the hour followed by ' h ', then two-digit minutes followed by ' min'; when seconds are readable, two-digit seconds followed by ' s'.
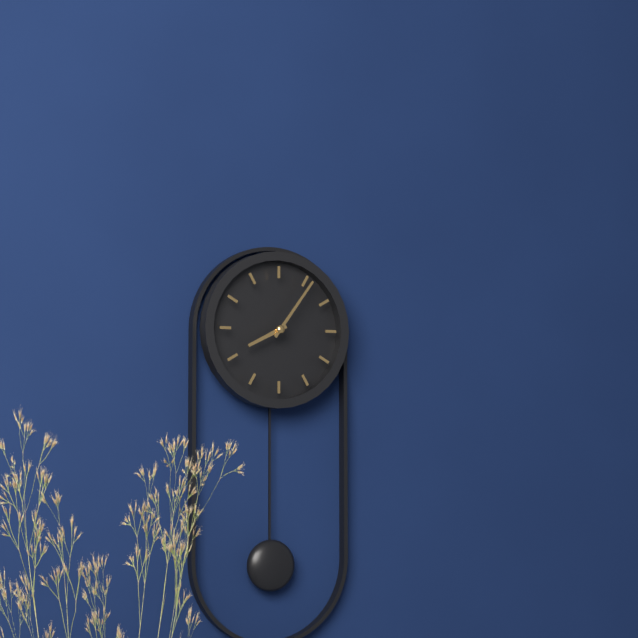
8 h 06 min
